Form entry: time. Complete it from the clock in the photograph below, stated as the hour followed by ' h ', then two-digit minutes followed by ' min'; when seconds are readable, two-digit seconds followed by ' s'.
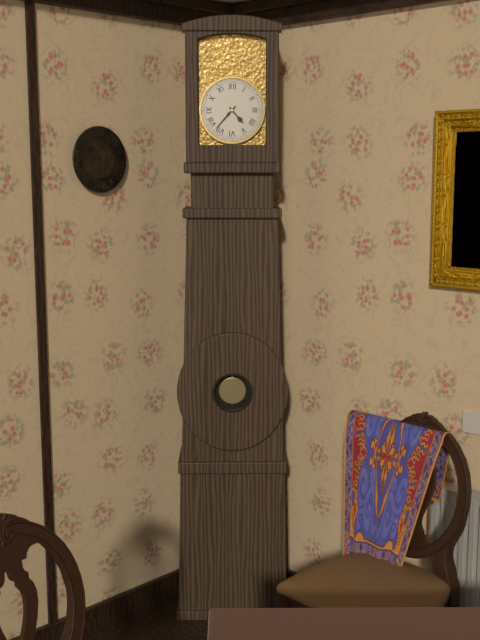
4 h 37 min
